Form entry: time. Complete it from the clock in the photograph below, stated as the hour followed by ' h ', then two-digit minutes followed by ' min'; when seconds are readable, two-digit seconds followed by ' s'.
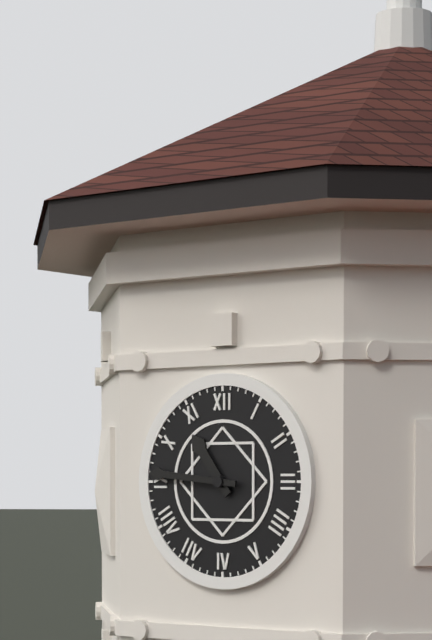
10 h 46 min
